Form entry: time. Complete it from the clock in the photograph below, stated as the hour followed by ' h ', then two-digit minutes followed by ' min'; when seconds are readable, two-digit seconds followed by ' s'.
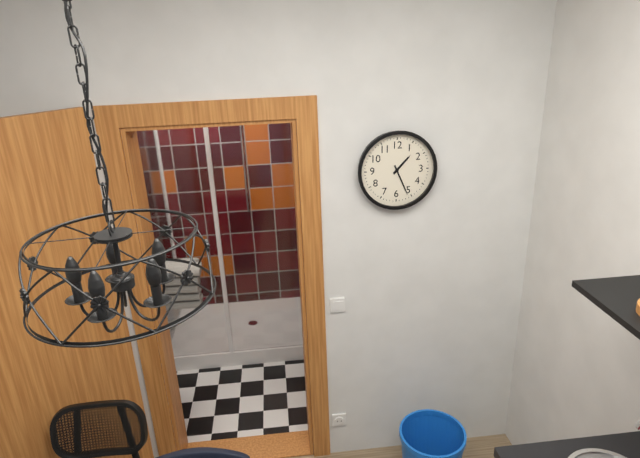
1 h 26 min
